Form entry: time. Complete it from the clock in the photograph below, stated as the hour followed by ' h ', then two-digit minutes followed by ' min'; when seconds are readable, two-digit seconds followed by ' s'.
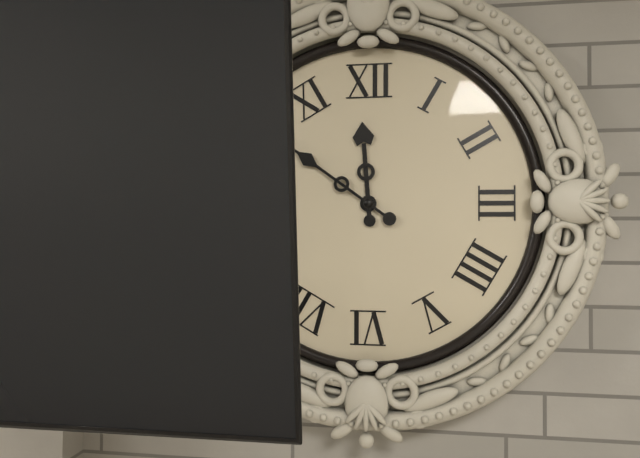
11 h 51 min
